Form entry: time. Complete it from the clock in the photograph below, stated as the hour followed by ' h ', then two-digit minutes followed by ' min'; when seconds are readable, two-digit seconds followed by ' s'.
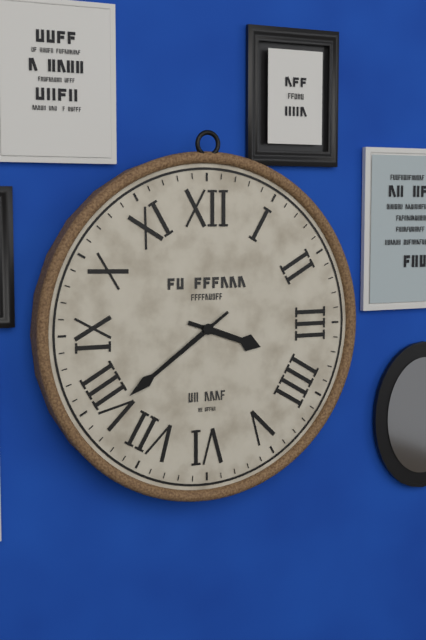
3 h 39 min
